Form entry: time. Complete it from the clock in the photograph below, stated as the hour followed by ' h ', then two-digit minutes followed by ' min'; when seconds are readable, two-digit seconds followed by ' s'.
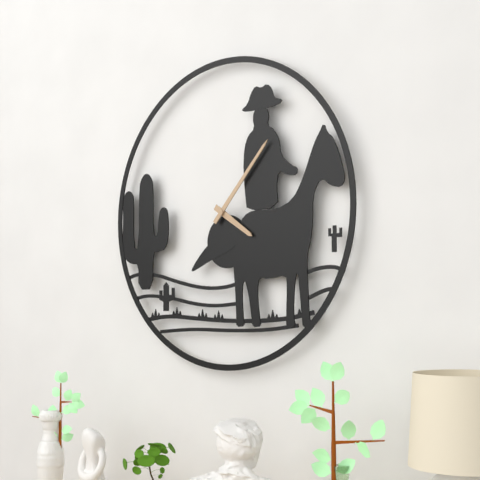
4 h 07 min
